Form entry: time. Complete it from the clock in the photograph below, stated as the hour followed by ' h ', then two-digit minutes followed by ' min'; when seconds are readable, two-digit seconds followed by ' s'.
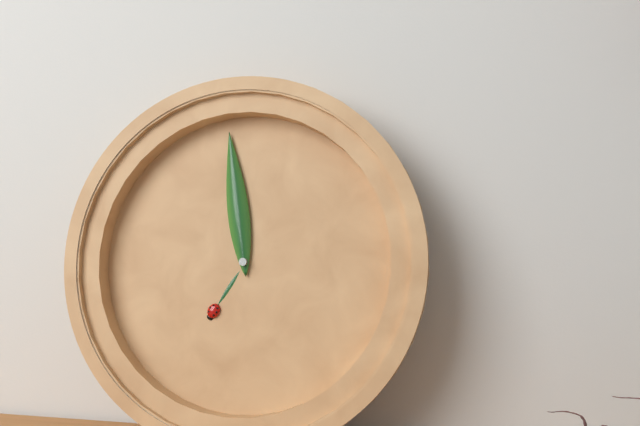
6 h 58 min
